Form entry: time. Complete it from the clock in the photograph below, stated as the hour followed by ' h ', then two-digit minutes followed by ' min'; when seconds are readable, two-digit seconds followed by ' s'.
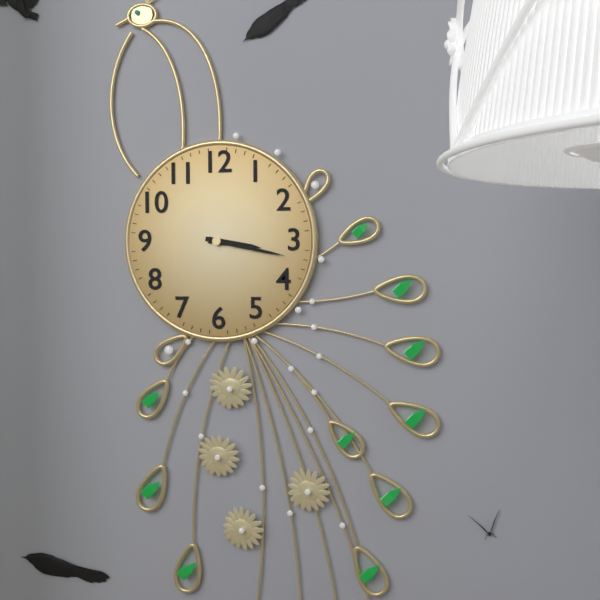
3 h 17 min
